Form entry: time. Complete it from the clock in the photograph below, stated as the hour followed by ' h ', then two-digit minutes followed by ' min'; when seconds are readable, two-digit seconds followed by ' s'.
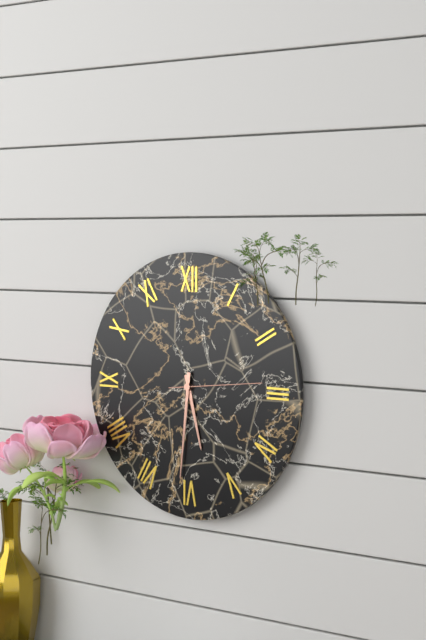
5 h 31 min 14 s
